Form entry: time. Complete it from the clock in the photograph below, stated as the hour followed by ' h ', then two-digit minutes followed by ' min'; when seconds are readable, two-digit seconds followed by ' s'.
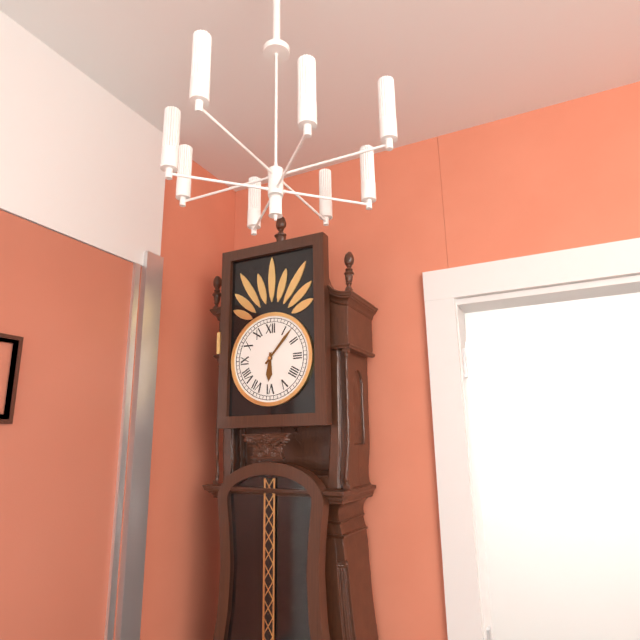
6 h 07 min
